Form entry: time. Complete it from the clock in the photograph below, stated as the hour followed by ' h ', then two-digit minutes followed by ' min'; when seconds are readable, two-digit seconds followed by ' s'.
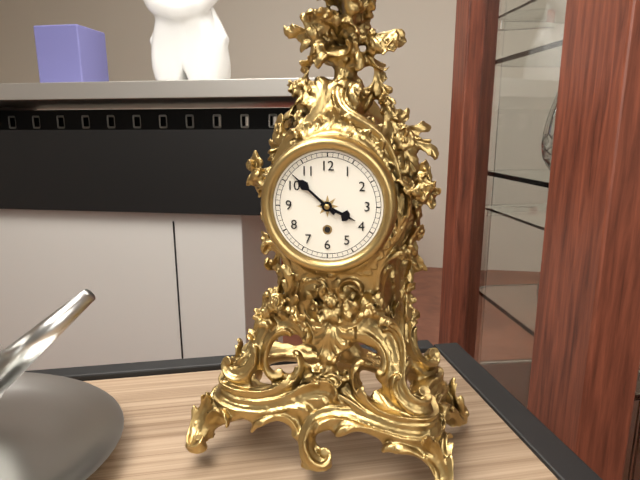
3 h 52 min
